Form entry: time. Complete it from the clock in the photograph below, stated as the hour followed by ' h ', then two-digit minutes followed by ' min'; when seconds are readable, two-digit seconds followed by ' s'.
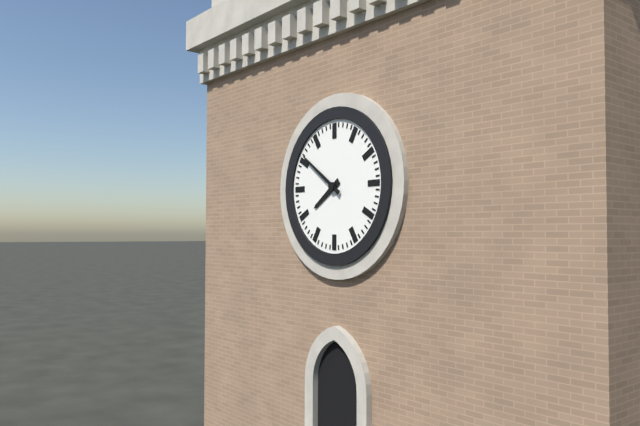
7 h 51 min
